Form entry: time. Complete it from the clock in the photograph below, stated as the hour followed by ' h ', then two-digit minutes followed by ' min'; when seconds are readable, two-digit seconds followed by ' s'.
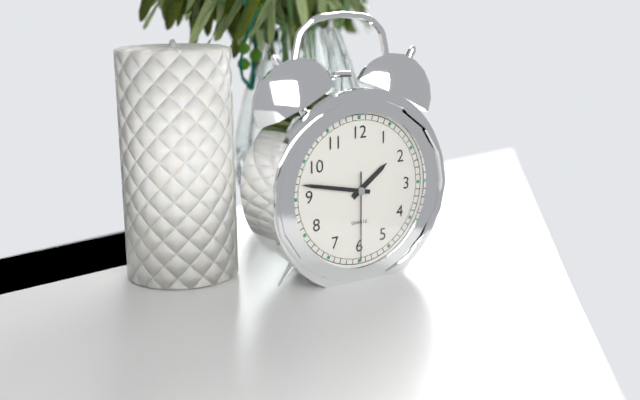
1 h 47 min 30 s
